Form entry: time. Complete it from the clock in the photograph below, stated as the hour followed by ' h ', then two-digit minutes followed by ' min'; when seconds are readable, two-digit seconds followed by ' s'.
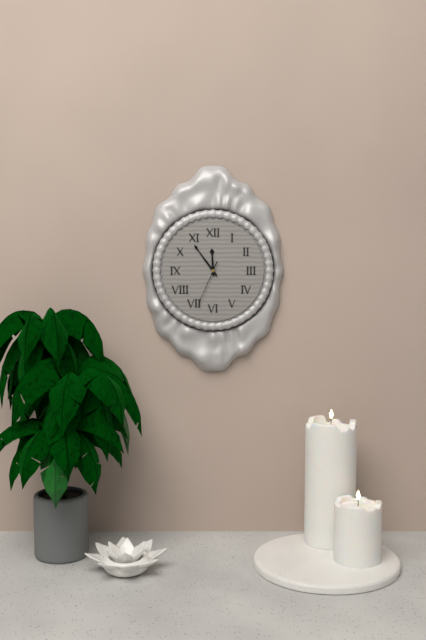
11 h 54 min
